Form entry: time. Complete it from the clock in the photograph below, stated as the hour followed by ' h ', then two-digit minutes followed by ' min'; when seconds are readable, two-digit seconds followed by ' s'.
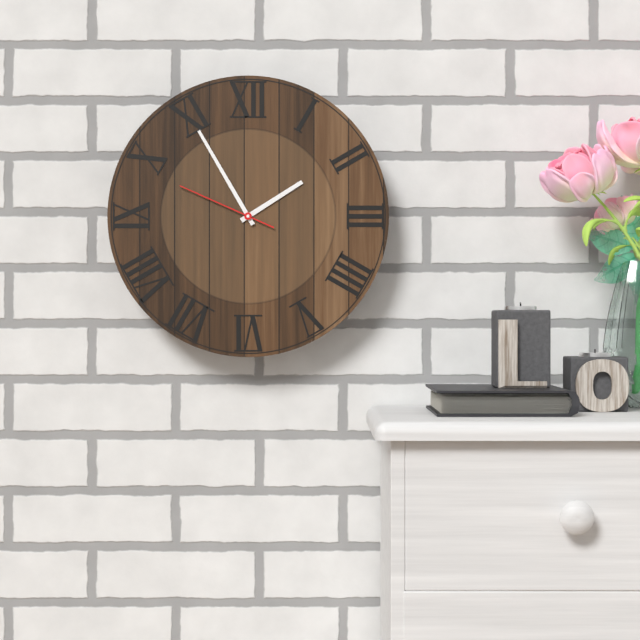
1 h 55 min 49 s
